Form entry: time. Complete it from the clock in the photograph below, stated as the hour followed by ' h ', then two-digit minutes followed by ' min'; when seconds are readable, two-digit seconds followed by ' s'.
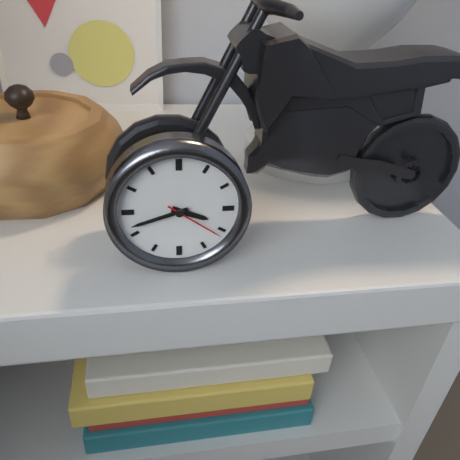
3 h 42 min 21 s
